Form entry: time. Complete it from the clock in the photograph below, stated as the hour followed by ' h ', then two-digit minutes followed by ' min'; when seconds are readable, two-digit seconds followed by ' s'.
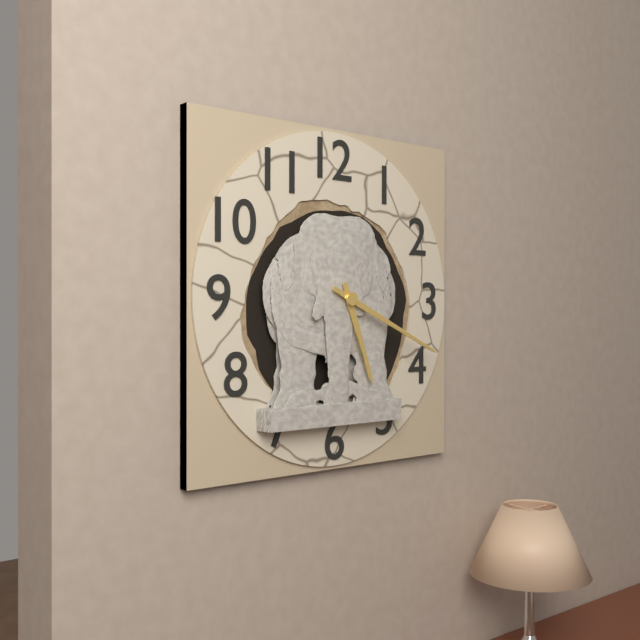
5 h 19 min
